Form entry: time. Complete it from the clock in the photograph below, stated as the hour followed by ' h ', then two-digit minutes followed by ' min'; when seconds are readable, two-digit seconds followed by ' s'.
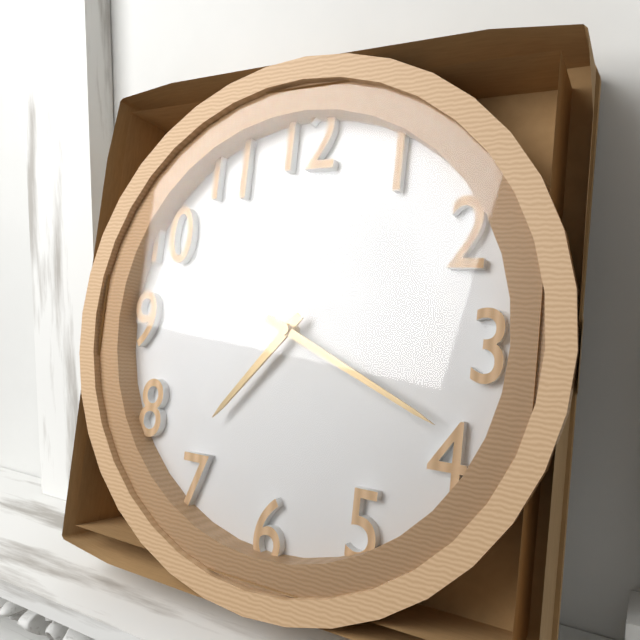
7 h 19 min
